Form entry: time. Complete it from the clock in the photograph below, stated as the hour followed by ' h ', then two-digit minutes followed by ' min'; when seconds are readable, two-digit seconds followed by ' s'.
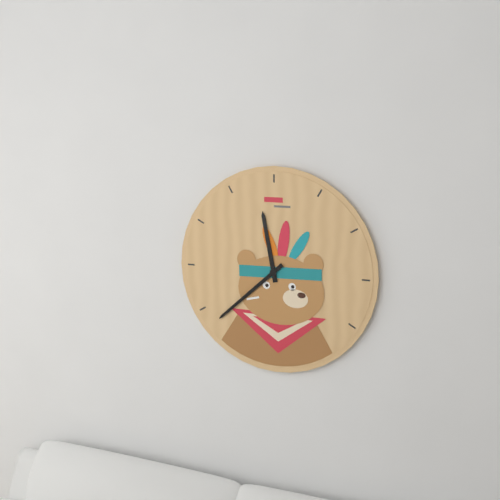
11 h 38 min
